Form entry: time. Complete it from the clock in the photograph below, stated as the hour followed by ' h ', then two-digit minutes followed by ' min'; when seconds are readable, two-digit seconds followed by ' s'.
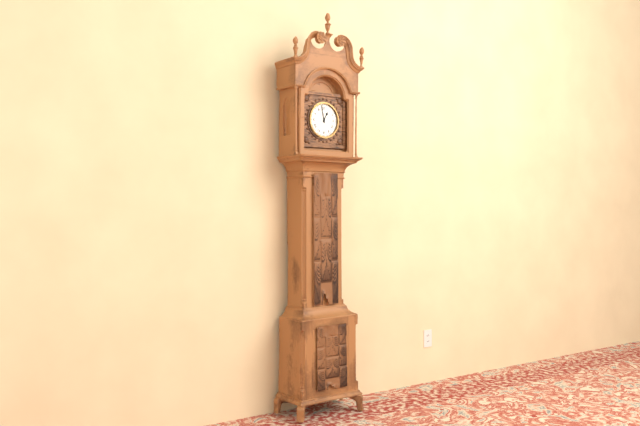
12 h 58 min
